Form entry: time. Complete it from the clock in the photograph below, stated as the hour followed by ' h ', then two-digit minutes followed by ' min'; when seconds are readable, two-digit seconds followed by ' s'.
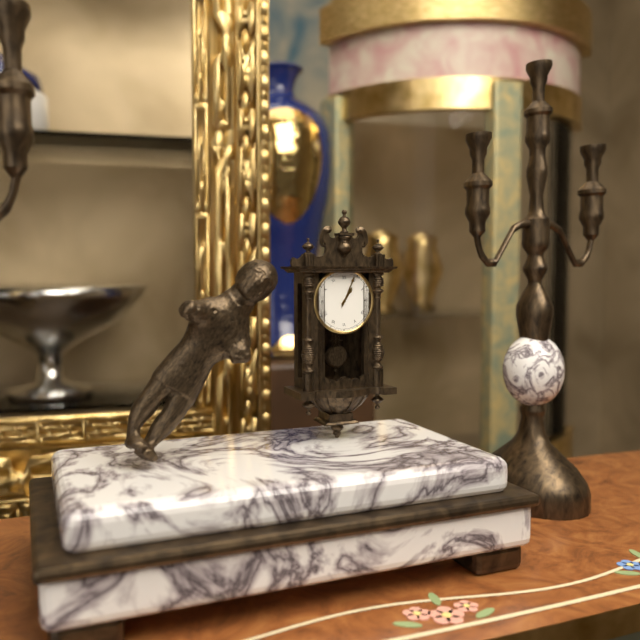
1 h 04 min
